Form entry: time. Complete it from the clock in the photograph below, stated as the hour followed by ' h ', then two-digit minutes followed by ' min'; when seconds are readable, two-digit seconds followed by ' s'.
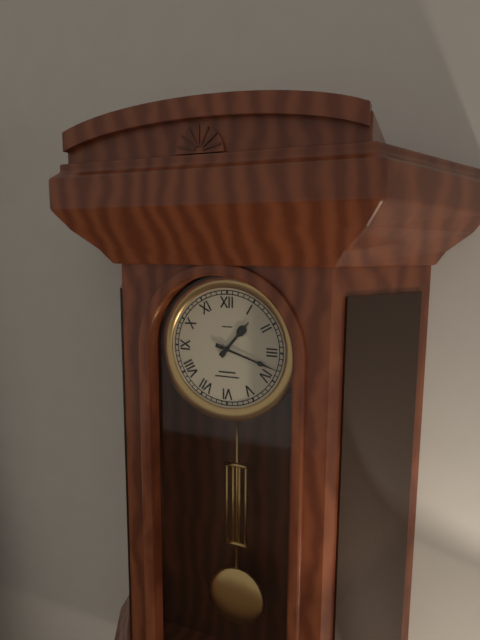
1 h 18 min
